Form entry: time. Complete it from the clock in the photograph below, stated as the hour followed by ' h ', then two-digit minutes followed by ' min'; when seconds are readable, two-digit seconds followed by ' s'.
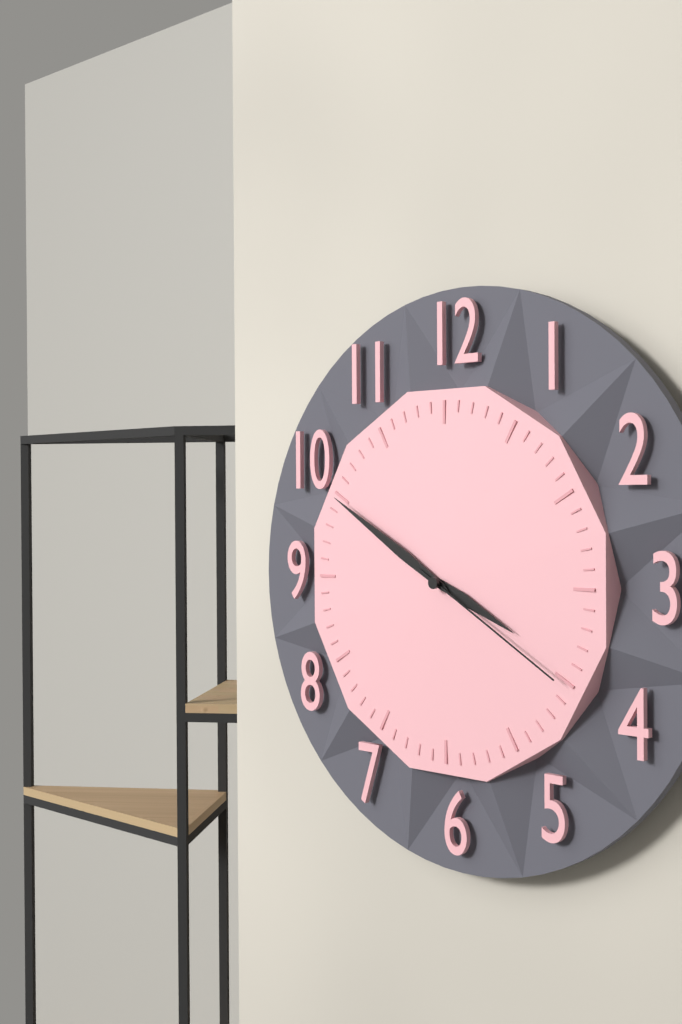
3 h 50 min 20 s
